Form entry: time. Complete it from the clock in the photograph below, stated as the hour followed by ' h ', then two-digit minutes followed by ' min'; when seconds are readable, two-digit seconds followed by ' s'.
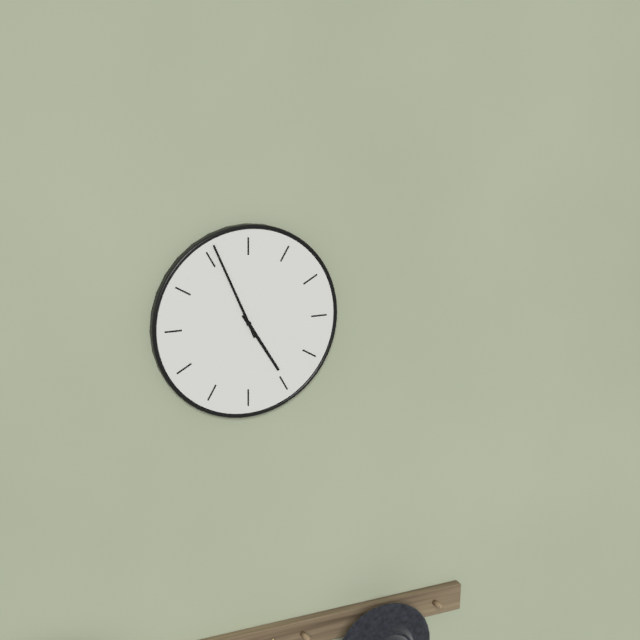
4 h 56 min
